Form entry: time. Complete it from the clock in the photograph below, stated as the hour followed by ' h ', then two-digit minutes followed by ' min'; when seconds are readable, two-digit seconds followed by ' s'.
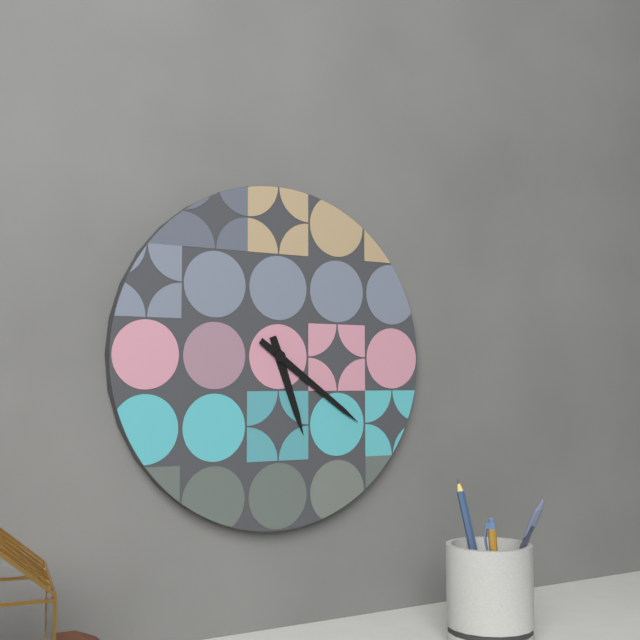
5 h 21 min
